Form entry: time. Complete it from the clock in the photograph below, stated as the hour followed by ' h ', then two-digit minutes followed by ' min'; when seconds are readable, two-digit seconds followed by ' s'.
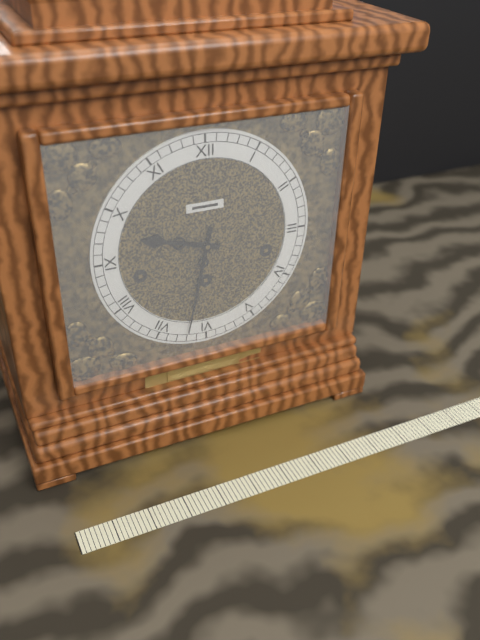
9 h 32 min
